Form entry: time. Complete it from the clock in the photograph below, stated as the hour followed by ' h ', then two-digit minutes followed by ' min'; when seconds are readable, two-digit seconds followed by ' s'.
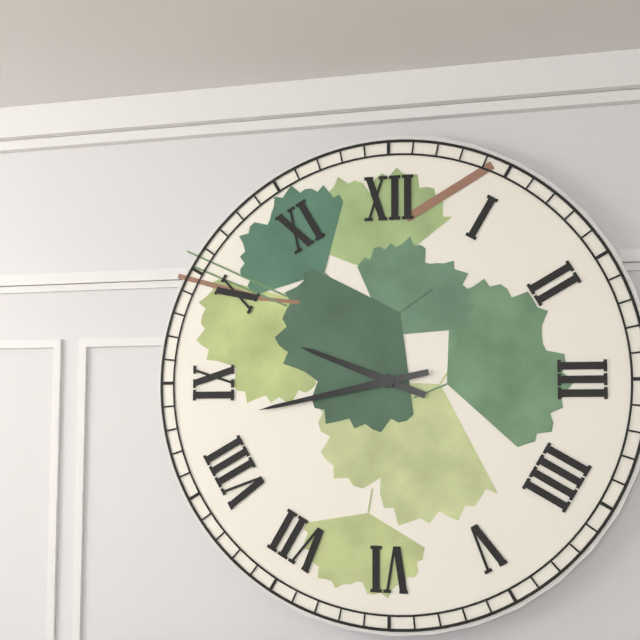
9 h 43 min
